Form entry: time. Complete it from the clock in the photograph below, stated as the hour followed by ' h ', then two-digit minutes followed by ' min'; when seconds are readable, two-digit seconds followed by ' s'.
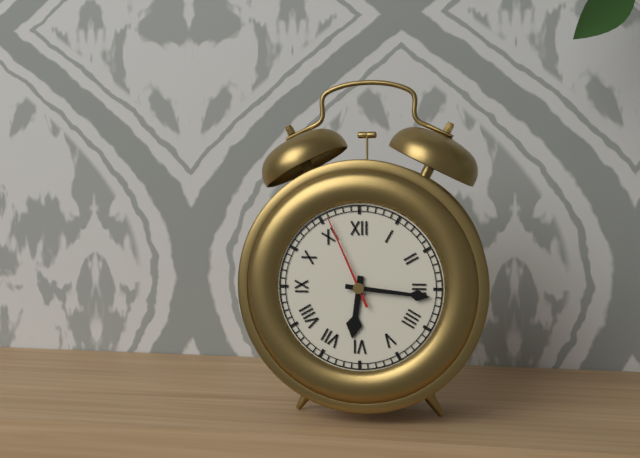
6 h 16 min 56 s
